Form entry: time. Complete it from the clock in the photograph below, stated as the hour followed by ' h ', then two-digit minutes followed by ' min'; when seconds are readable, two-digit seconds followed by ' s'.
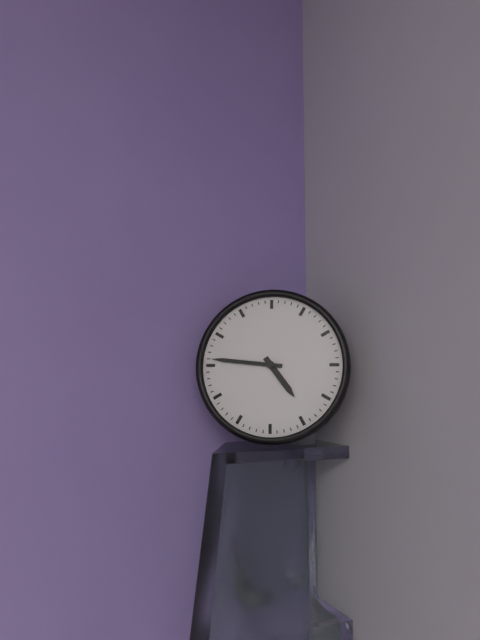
4 h 46 min
